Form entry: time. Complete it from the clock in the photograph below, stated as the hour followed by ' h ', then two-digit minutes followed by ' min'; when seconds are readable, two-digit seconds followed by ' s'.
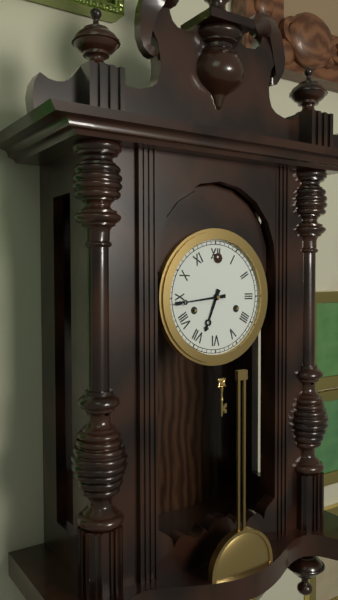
6 h 44 min
